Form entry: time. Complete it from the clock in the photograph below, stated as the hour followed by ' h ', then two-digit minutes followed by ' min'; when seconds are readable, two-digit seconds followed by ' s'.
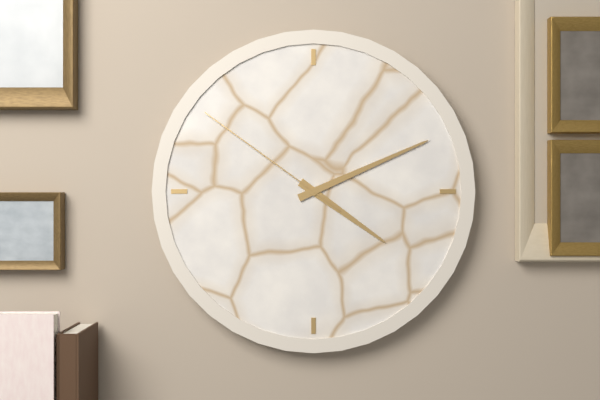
4 h 11 min 51 s
